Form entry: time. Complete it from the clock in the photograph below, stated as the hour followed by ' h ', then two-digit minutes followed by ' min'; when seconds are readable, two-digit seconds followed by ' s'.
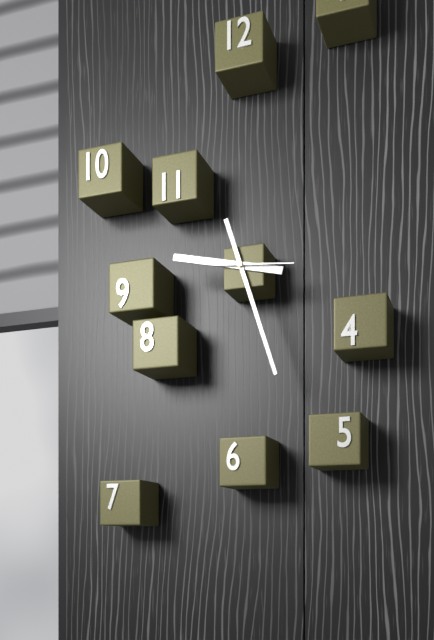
9 h 27 min 16 s
